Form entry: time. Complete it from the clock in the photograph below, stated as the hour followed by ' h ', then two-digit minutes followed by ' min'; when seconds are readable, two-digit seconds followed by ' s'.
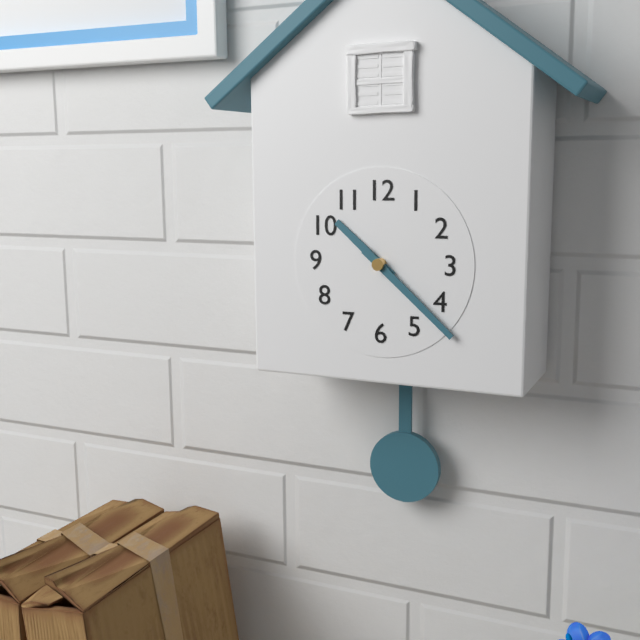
10 h 22 min
